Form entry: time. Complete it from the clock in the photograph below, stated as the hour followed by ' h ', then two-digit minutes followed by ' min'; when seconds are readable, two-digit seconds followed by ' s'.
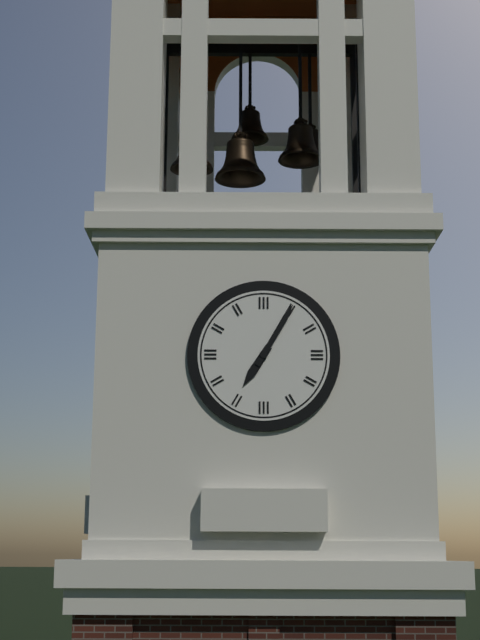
7 h 05 min
